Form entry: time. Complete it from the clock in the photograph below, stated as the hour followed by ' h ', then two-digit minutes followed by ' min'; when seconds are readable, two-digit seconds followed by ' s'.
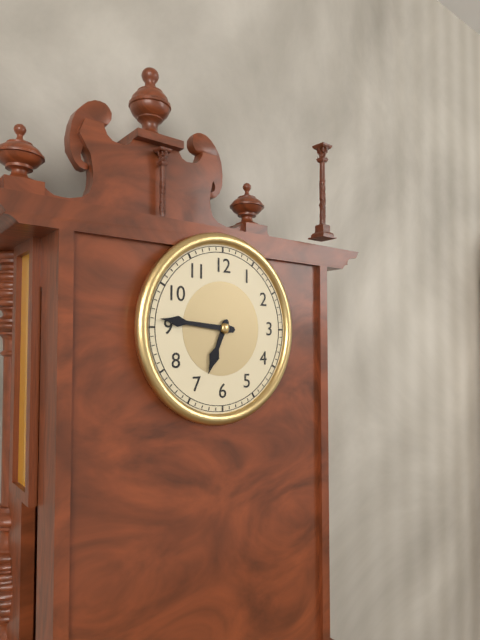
6 h 46 min
